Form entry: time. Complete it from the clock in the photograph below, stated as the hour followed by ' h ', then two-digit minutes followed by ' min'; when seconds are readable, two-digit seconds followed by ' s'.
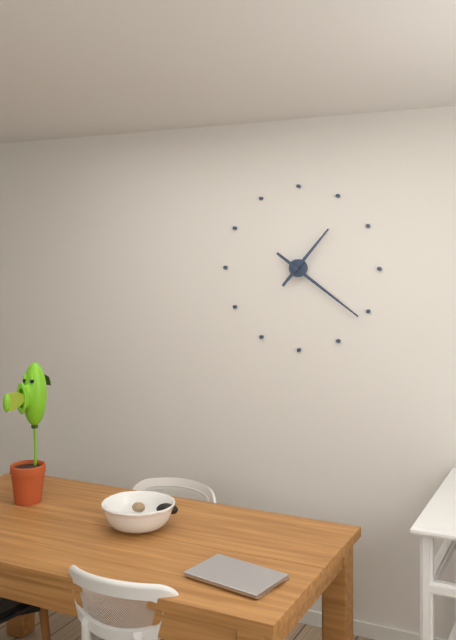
1 h 21 min
